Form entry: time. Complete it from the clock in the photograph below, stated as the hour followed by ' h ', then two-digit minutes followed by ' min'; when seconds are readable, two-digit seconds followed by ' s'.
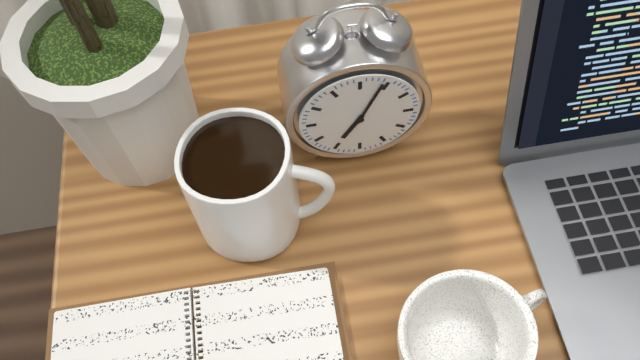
7 h 04 min
